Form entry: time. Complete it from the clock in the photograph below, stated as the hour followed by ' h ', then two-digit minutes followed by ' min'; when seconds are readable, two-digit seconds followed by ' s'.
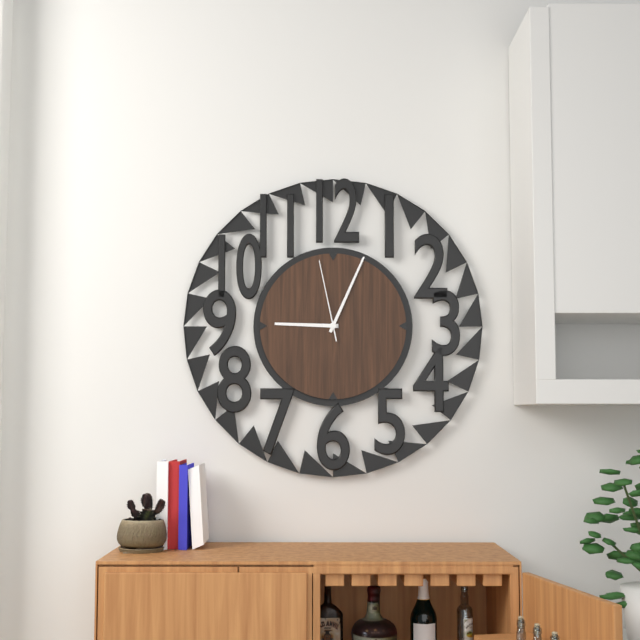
9 h 04 min 58 s
